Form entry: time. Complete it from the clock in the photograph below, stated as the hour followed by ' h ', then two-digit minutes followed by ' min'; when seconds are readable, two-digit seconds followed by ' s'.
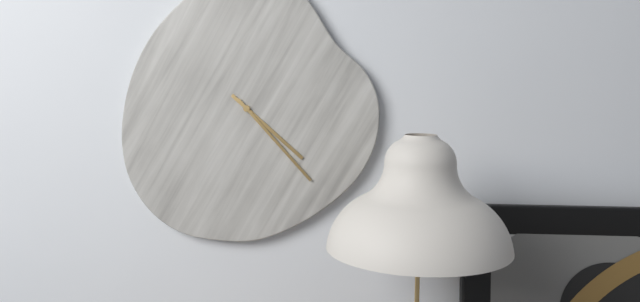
4 h 23 min
